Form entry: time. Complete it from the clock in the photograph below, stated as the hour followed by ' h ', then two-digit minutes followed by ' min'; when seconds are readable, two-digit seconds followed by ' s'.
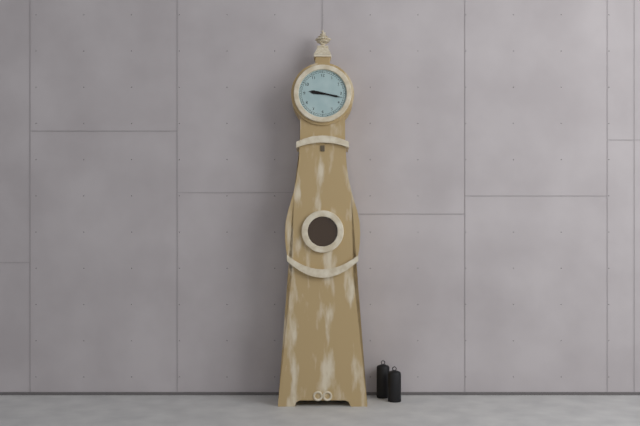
9 h 17 min
